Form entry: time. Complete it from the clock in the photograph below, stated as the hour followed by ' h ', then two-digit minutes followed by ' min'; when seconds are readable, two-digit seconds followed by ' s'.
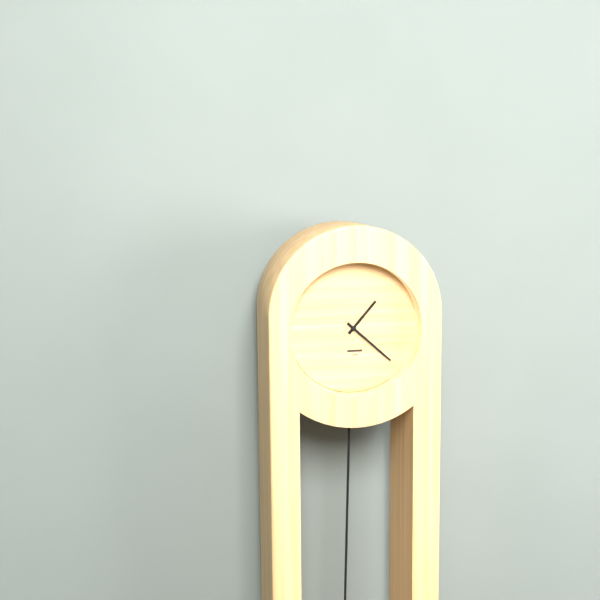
1 h 22 min
